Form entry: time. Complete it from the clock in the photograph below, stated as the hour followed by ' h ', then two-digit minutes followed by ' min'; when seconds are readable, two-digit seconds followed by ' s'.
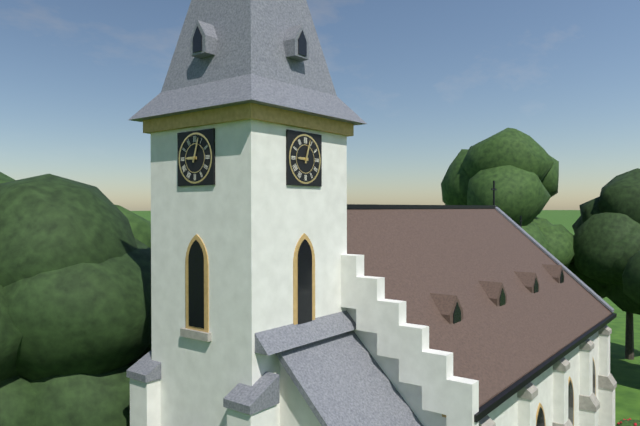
9 h 03 min
